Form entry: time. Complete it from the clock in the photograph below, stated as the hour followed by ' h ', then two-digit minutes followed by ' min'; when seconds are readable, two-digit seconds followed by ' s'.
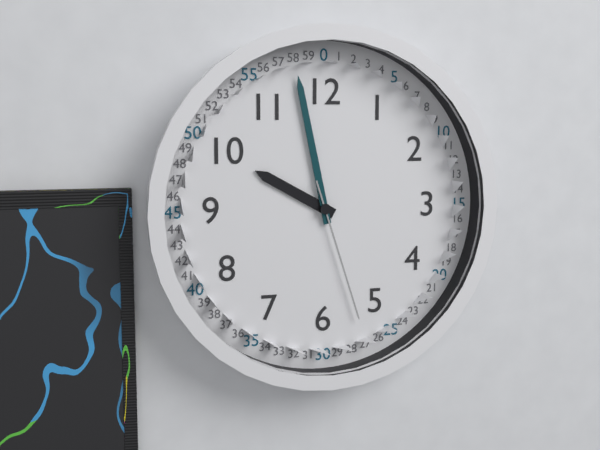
9 h 58 min 27 s
